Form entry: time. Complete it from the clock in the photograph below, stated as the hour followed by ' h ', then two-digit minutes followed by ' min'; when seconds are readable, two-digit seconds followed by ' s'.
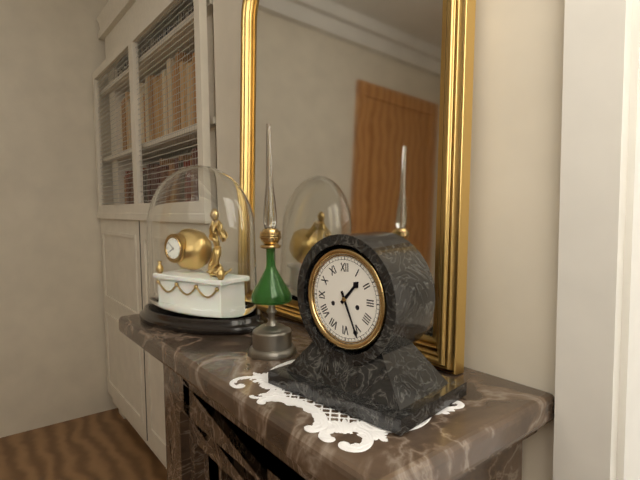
1 h 26 min
